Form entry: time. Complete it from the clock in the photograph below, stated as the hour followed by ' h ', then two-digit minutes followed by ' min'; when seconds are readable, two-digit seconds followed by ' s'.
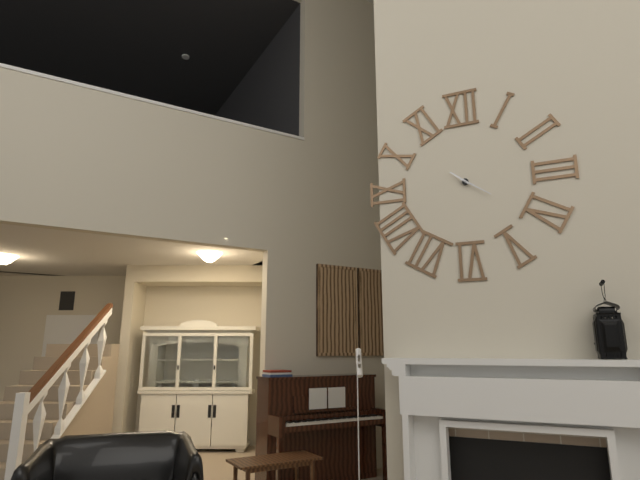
10 h 21 min
